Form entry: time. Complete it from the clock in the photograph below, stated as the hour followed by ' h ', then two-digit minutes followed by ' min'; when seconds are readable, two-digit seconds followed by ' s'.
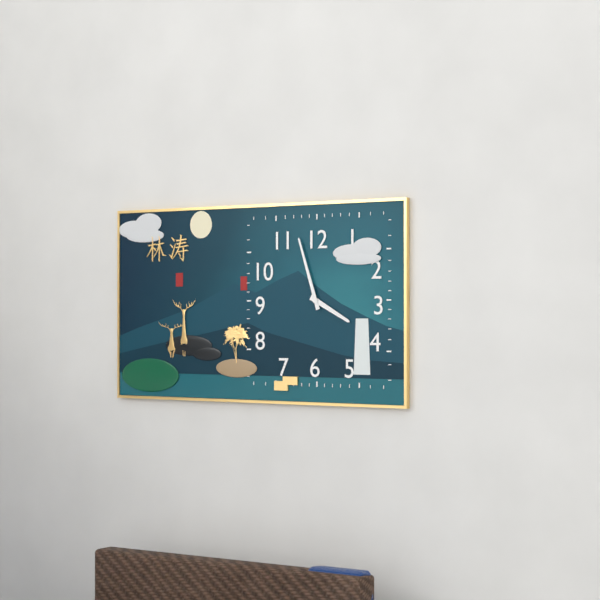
3 h 57 min
